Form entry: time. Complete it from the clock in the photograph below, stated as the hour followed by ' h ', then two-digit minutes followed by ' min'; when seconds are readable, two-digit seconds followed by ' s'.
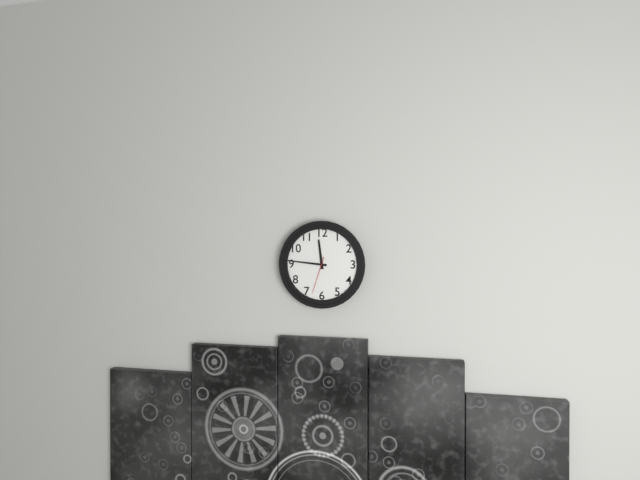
11 h 46 min
